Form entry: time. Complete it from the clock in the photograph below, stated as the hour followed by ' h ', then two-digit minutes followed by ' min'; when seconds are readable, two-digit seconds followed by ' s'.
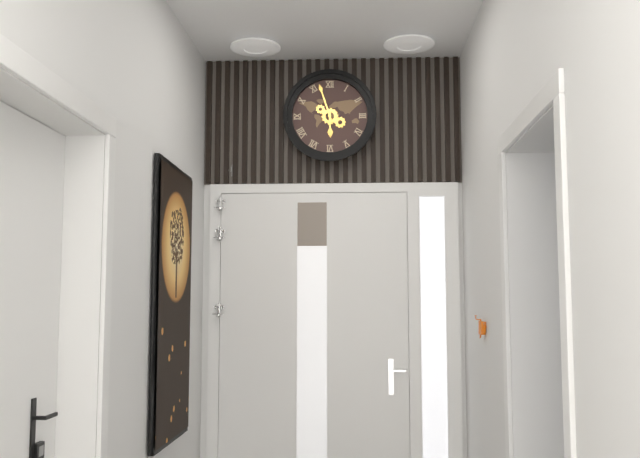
5 h 57 min
